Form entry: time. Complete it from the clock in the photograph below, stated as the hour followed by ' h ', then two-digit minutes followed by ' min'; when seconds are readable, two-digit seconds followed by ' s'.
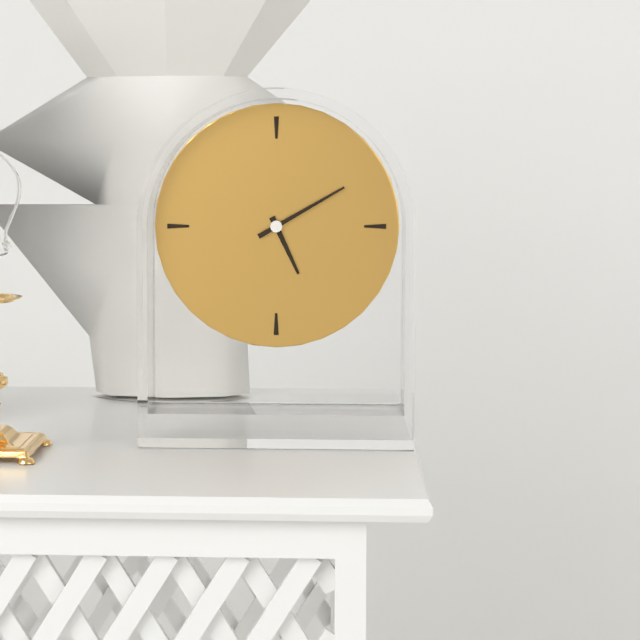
5 h 10 min
